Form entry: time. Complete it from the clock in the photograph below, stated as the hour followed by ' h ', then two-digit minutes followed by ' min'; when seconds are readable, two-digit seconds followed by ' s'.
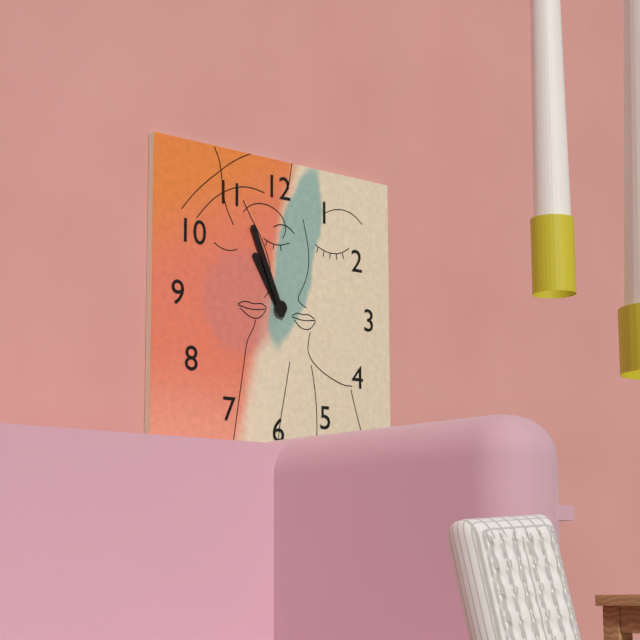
10 h 56 min
